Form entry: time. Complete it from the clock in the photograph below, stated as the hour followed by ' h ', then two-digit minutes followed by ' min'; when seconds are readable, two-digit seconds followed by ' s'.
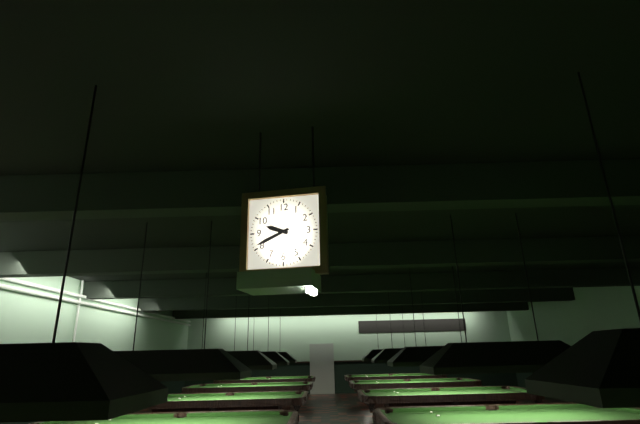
9 h 41 min
